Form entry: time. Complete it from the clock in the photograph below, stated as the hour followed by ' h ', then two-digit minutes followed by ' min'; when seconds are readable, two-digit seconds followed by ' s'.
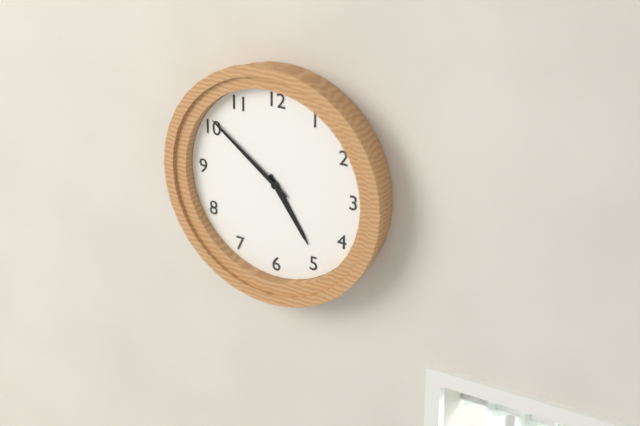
4 h 51 min
